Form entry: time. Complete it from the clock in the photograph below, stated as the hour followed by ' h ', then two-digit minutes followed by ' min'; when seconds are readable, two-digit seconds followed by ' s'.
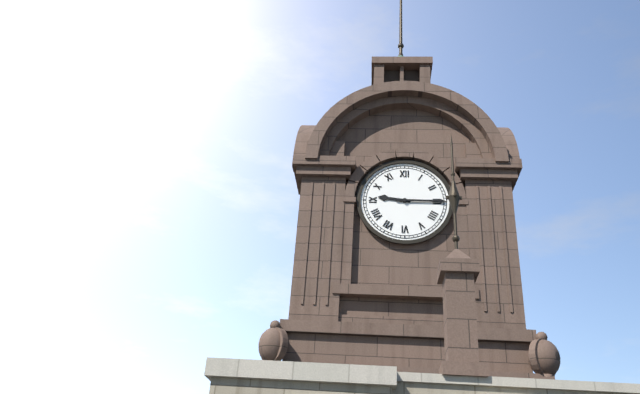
9 h 15 min
